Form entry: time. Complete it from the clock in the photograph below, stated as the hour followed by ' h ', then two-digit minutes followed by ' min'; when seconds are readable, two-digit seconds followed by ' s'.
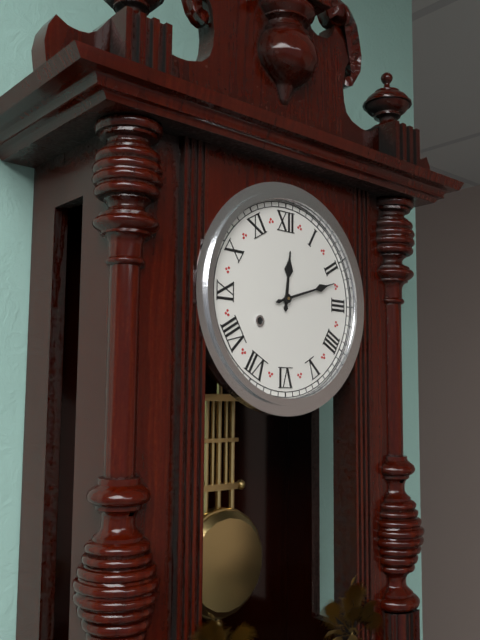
12 h 12 min
